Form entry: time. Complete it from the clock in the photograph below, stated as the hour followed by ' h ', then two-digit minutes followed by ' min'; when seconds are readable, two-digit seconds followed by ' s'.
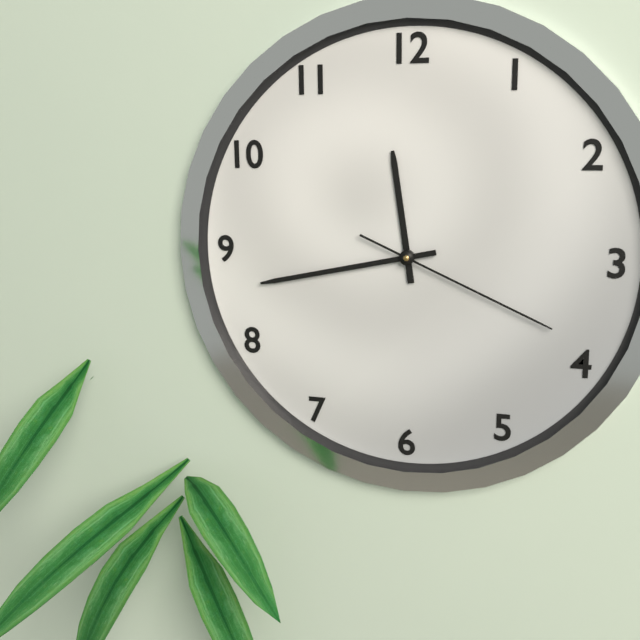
11 h 43 min 19 s
